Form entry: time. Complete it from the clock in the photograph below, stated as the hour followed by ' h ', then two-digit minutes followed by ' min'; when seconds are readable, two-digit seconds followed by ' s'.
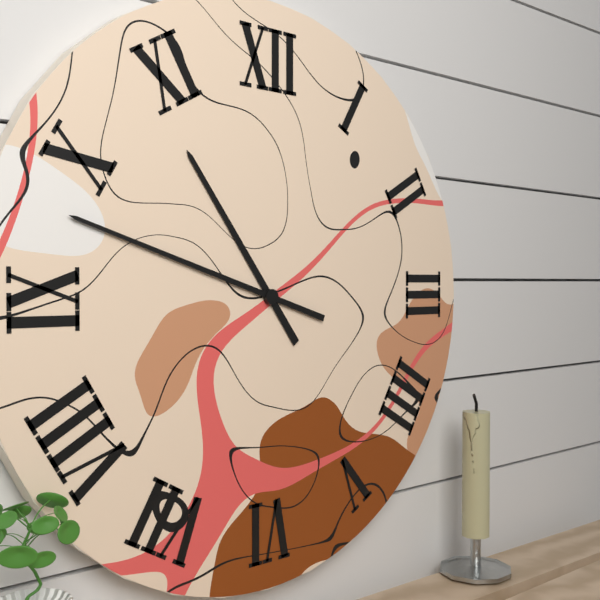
10 h 48 min
